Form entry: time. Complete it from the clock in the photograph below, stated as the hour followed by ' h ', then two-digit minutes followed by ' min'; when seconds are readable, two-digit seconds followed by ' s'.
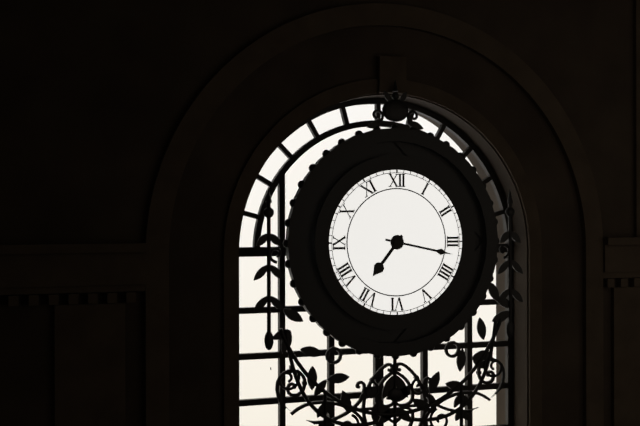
7 h 17 min
